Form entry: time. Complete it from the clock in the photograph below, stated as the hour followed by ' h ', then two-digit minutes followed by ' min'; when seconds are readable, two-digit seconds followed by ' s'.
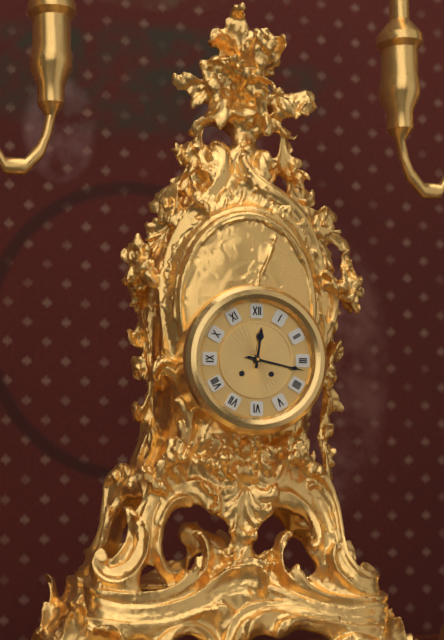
12 h 17 min
